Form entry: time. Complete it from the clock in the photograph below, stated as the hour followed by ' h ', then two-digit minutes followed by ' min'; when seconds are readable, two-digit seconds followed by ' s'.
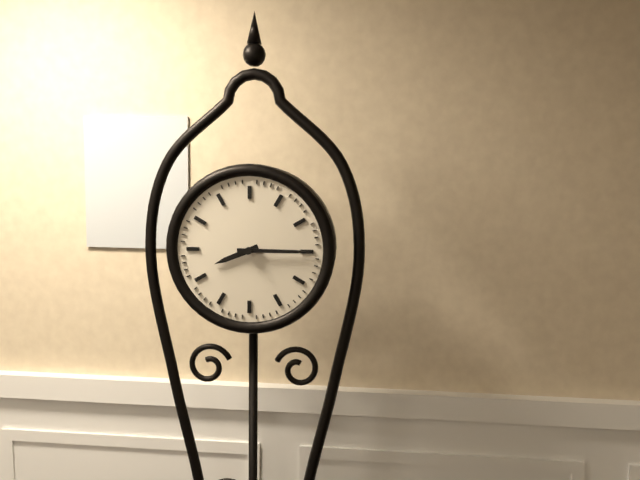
8 h 15 min
